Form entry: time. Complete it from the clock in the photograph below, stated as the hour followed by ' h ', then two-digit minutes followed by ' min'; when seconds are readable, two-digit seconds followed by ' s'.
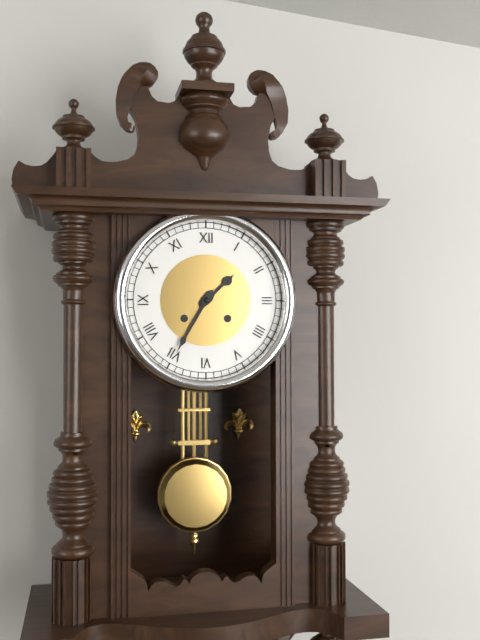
1 h 35 min
